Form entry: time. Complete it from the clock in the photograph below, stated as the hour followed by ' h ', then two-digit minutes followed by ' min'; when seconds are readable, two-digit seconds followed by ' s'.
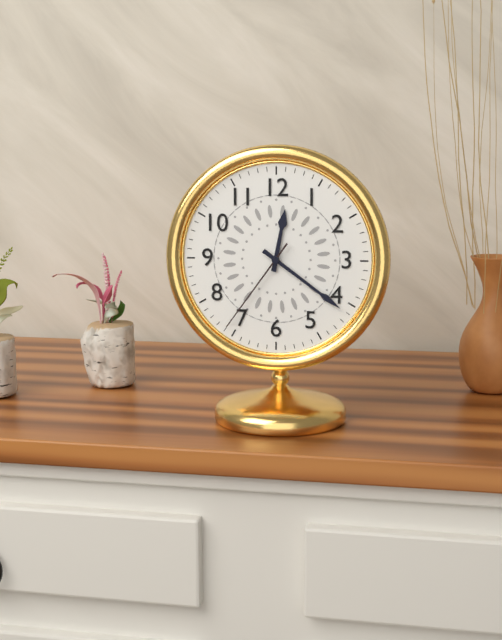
12 h 21 min 36 s
